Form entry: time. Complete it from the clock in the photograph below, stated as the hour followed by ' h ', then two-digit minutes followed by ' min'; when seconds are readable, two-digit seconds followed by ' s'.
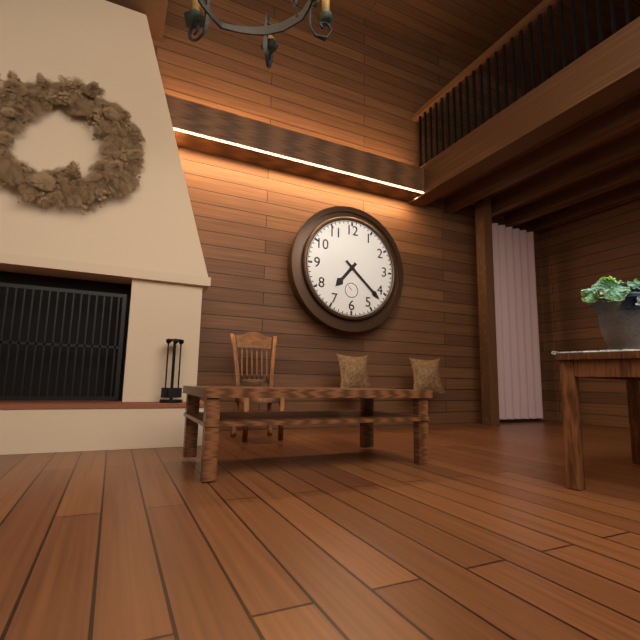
7 h 22 min
